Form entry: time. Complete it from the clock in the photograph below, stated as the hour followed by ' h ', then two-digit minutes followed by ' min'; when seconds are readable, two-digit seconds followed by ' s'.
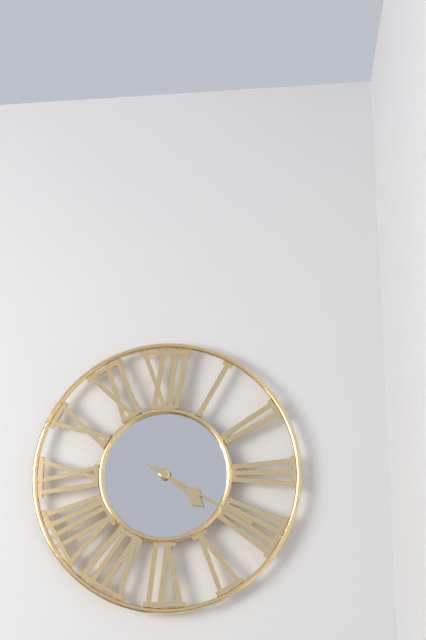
4 h 20 min
